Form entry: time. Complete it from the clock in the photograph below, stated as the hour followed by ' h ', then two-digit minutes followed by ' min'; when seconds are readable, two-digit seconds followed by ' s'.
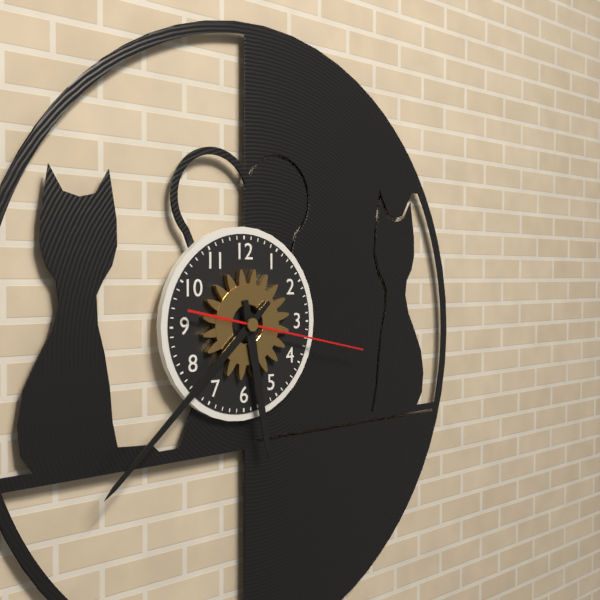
5 h 38 min 17 s
